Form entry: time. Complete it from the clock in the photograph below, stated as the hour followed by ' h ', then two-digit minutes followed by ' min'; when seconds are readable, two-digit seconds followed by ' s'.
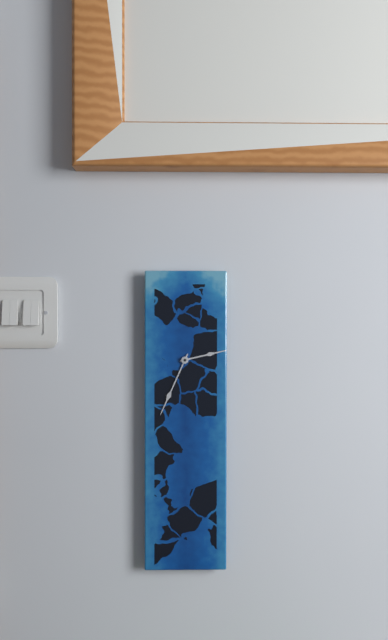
2 h 34 min
